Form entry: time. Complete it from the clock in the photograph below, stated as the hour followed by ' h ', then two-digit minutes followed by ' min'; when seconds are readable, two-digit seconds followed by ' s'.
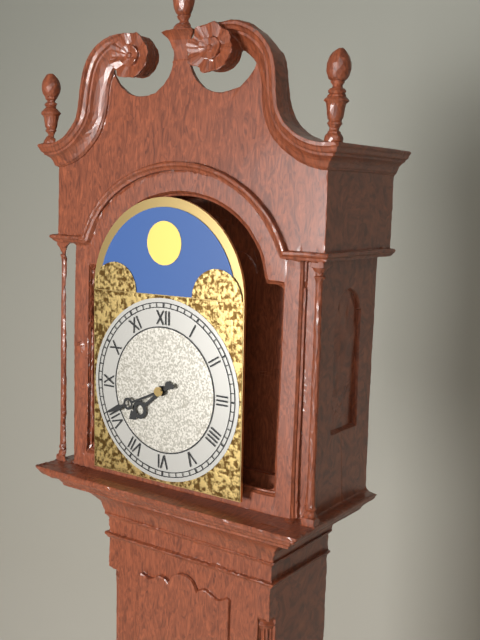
7 h 41 min
